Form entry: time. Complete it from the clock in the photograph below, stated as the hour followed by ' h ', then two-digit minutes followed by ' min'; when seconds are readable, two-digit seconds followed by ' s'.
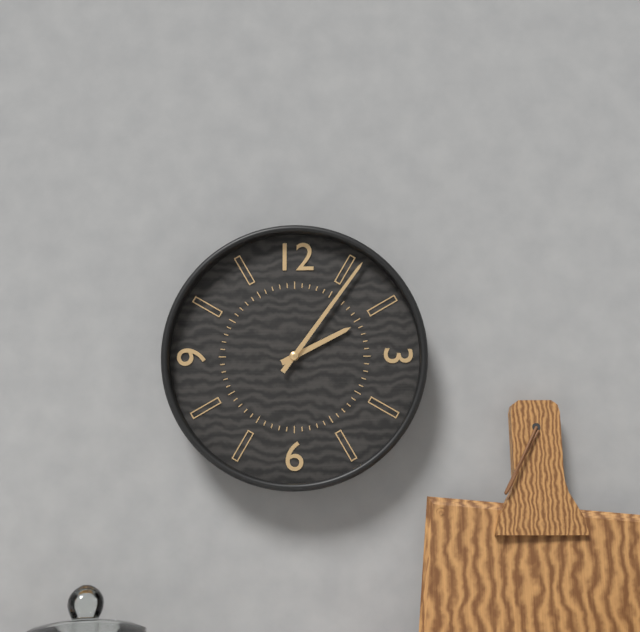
2 h 06 min
